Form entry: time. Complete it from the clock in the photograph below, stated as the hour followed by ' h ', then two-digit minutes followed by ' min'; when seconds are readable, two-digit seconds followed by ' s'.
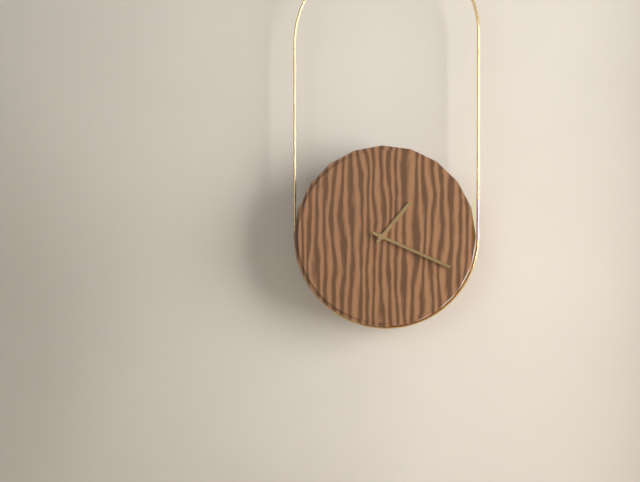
1 h 19 min
